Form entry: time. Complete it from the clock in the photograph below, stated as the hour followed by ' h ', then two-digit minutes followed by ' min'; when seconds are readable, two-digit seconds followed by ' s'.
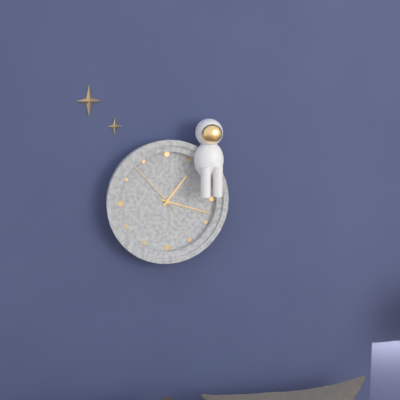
1 h 18 min 53 s
